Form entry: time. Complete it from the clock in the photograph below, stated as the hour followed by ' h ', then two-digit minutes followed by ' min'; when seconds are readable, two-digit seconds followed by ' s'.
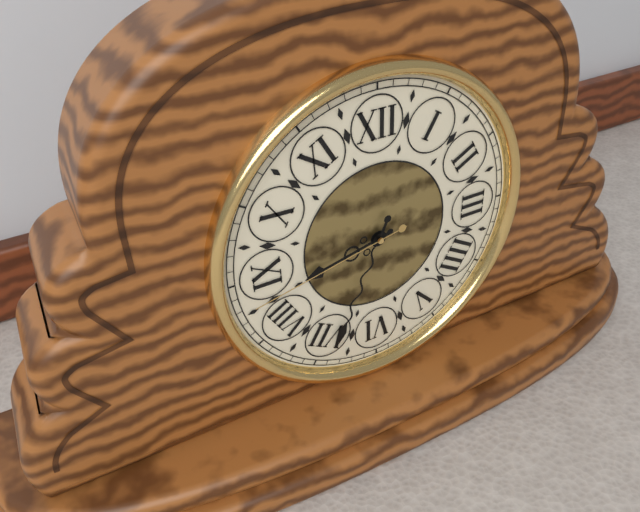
8 h 34 min 43 s
